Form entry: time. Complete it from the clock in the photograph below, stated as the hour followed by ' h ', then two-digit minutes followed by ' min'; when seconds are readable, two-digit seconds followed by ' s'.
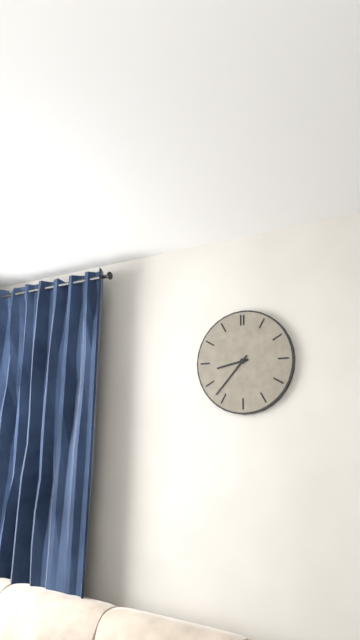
8 h 37 min
